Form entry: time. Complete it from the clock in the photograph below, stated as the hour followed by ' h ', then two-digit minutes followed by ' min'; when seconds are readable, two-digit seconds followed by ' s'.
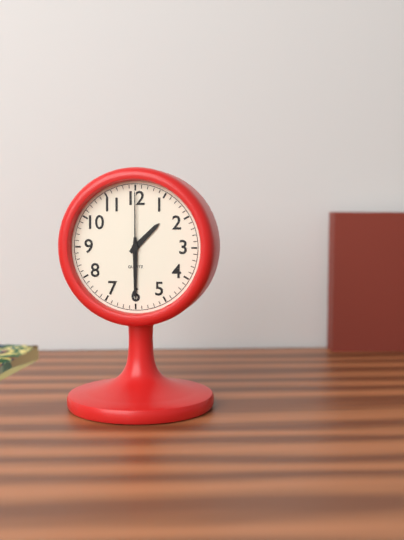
1 h 30 min 00 s
